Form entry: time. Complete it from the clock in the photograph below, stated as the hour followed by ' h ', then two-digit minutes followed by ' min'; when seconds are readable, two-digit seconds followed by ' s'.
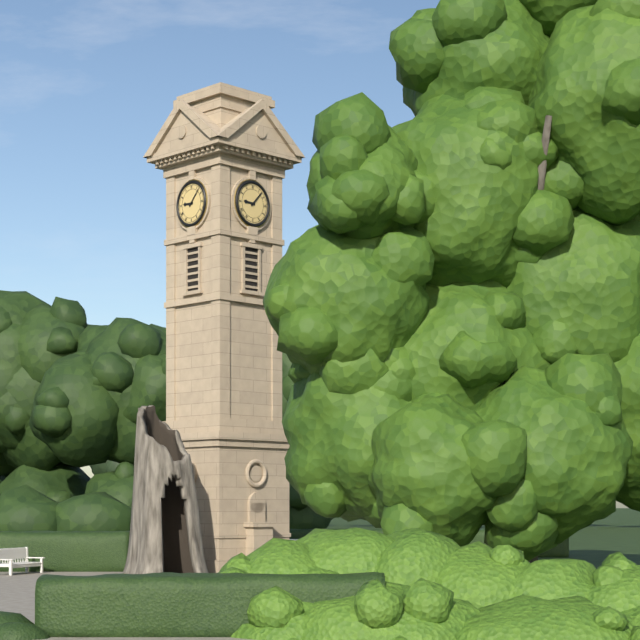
9 h 07 min
